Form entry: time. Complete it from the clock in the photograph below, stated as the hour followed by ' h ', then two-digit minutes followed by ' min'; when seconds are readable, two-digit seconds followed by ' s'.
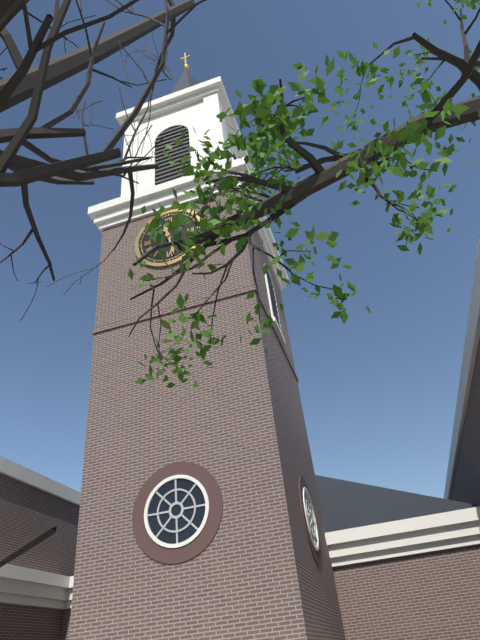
11 h 28 min
